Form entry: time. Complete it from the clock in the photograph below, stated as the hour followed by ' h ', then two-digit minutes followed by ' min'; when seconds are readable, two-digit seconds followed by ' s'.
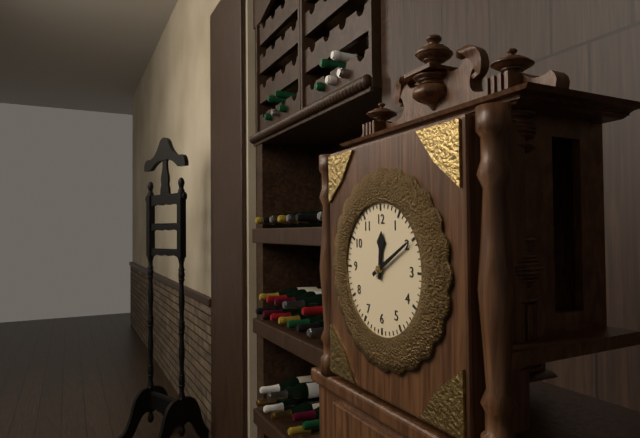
12 h 10 min
